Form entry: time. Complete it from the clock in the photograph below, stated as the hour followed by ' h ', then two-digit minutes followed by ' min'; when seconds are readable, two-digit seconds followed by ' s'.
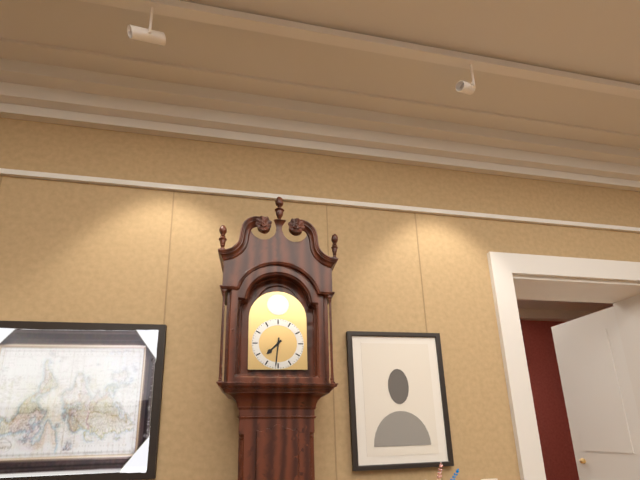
7 h 31 min
